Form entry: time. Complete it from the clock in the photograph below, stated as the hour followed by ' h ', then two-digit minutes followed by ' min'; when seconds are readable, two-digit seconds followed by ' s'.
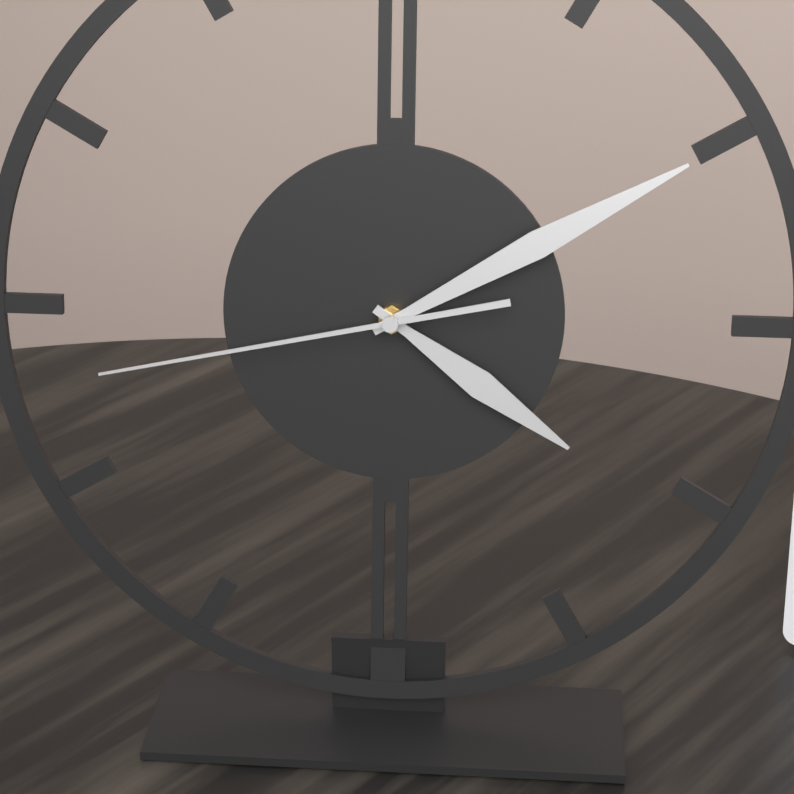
4 h 10 min 43 s
